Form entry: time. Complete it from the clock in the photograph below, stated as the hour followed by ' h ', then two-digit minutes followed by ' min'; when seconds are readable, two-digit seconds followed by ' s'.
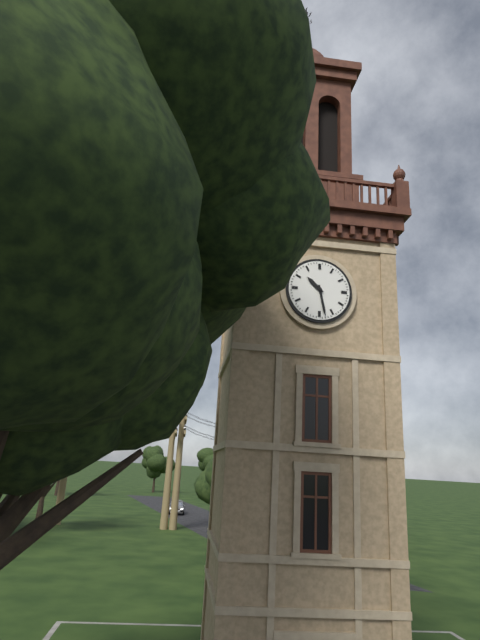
10 h 28 min
